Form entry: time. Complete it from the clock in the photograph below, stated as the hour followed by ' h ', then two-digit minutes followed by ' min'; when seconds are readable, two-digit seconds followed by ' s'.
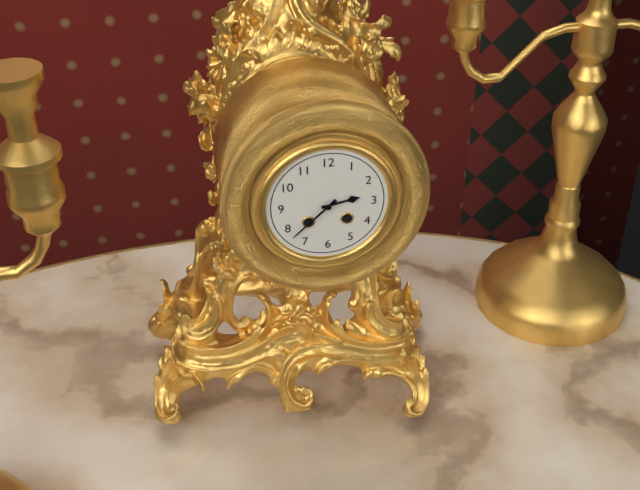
2 h 38 min
